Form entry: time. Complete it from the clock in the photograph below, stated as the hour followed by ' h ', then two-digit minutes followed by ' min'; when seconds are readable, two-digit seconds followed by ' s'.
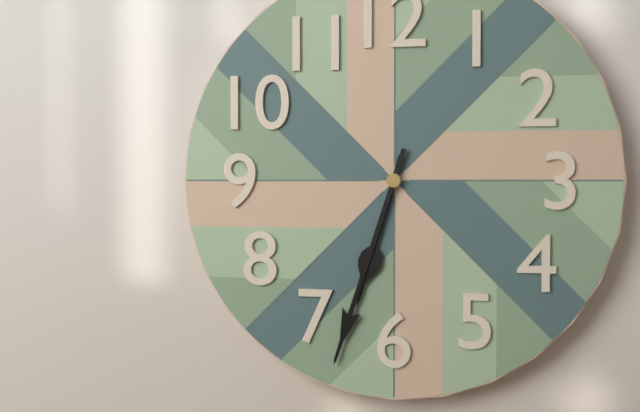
6 h 33 min
